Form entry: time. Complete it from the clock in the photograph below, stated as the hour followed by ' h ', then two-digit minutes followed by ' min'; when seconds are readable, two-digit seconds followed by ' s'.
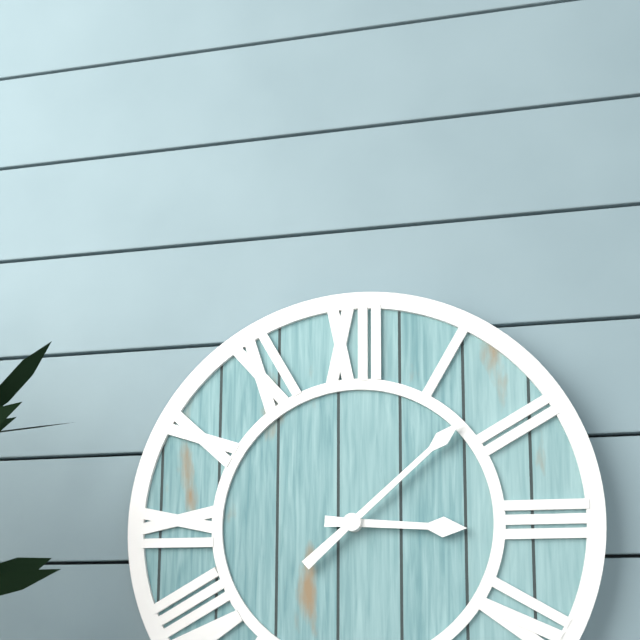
3 h 08 min
